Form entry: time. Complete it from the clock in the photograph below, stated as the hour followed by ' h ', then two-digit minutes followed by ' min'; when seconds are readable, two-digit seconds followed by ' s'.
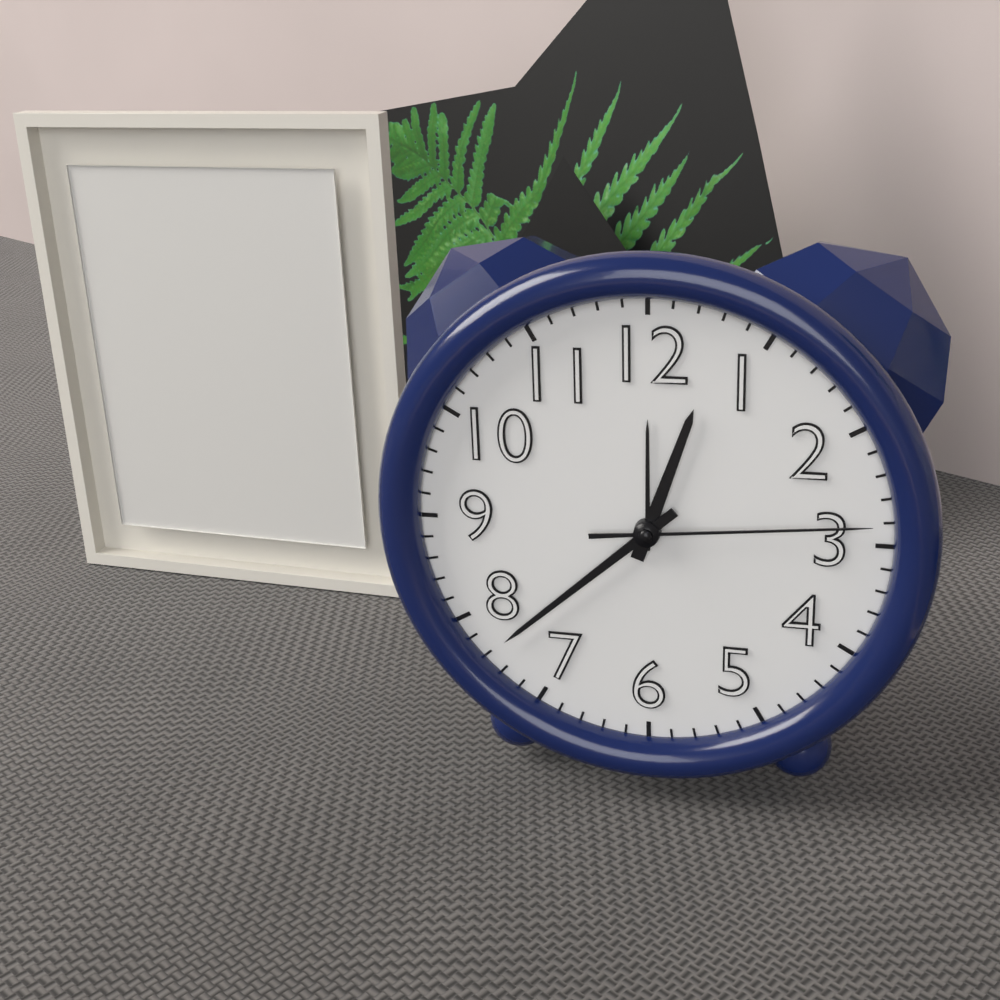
12 h 38 min 14 s
